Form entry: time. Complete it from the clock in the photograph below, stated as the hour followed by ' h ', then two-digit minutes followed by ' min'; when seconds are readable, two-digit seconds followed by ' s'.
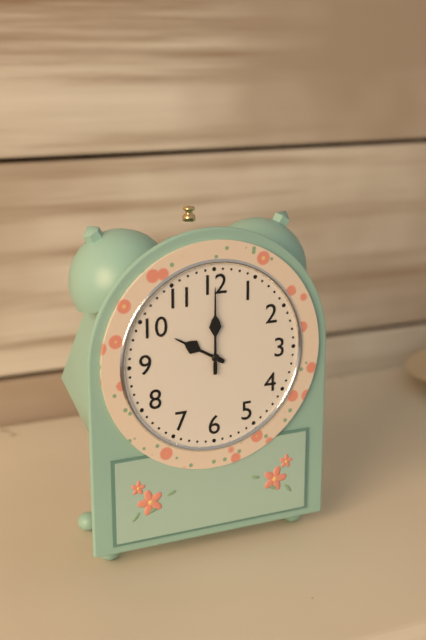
10 h 00 min
